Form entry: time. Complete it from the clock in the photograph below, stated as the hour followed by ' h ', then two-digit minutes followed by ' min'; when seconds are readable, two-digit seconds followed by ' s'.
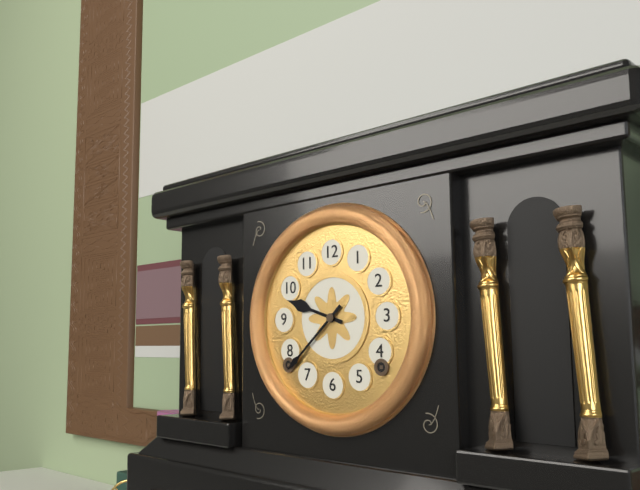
9 h 38 min
